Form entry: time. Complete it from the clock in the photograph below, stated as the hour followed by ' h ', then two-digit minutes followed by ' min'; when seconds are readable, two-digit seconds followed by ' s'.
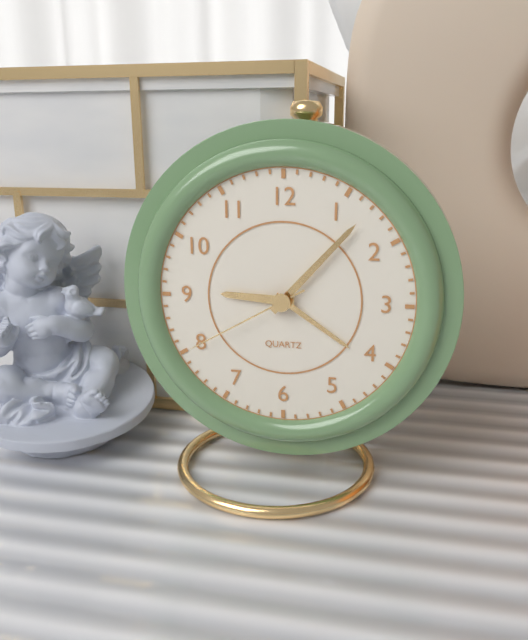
9 h 07 min 40 s
